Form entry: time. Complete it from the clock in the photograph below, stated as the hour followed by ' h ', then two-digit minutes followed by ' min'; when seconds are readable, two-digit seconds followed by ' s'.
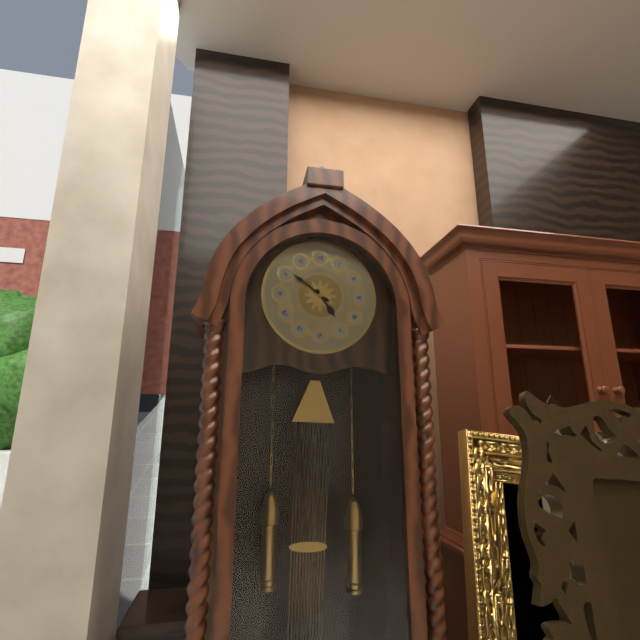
4 h 51 min
